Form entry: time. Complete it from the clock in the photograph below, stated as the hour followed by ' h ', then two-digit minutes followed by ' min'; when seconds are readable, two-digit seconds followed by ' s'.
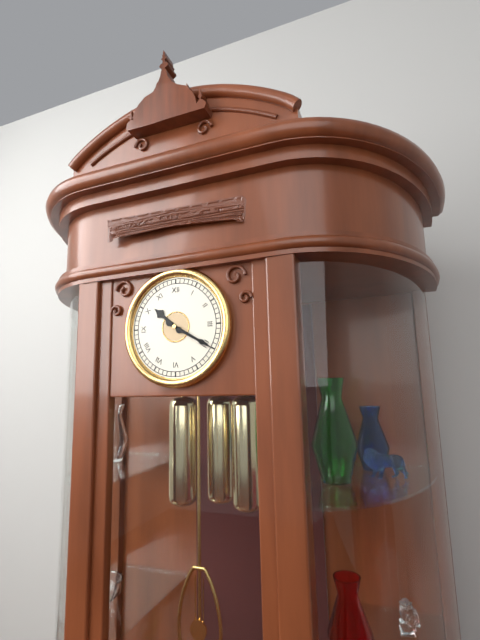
10 h 20 min
